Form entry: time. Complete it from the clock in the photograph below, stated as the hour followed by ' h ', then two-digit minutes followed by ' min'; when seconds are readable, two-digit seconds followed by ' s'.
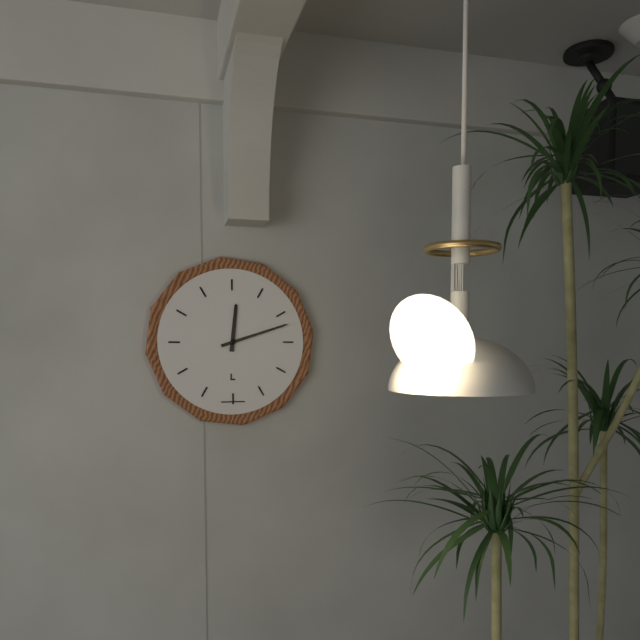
12 h 12 min
